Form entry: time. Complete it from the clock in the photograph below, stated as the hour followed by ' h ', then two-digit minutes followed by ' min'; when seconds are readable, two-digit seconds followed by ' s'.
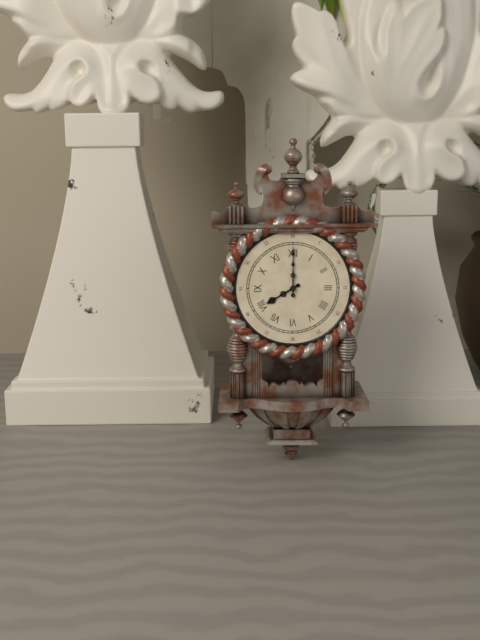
8 h 00 min
